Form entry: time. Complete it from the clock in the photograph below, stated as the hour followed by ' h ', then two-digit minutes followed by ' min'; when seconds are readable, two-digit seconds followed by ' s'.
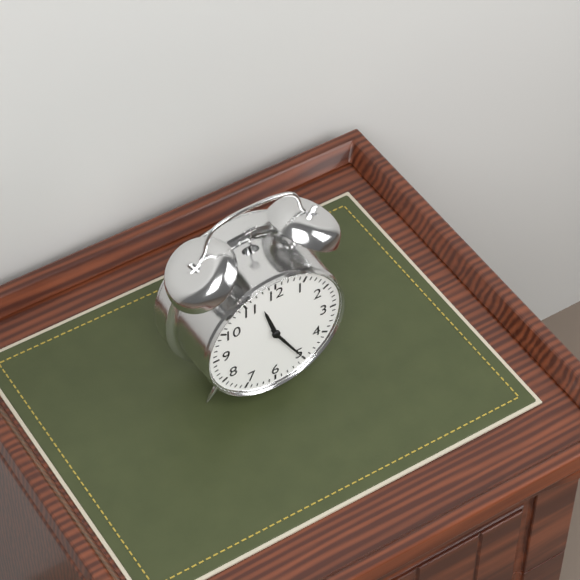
11 h 25 min
